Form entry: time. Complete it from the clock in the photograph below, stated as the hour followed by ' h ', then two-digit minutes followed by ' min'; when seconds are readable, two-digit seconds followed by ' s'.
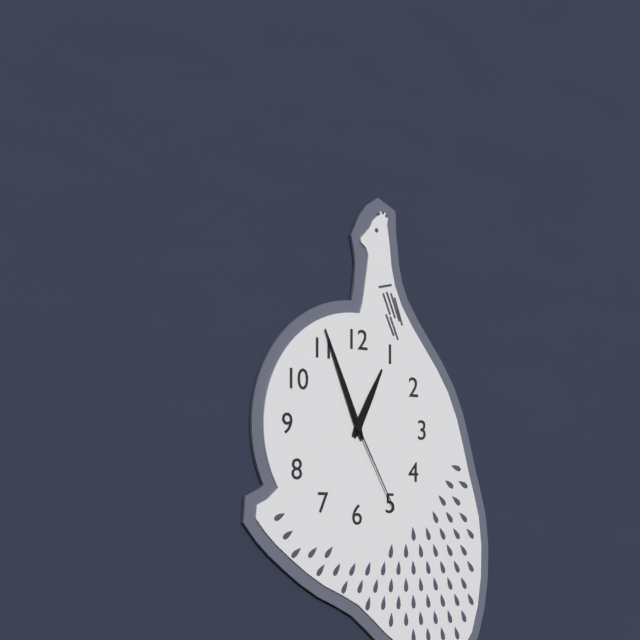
12 h 56 min 25 s
